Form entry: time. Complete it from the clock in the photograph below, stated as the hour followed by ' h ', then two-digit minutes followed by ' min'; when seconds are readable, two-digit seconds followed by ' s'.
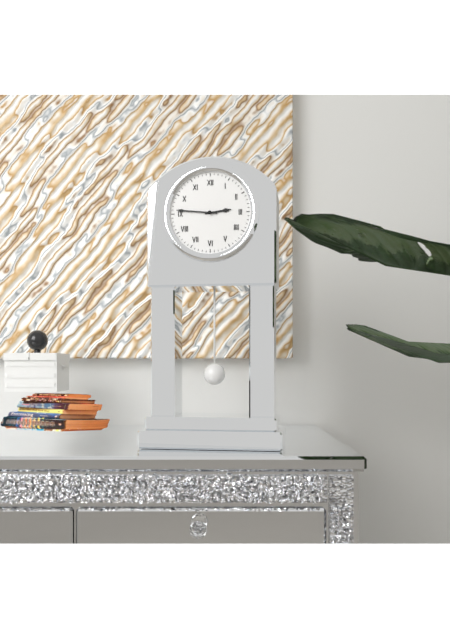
2 h 46 min
